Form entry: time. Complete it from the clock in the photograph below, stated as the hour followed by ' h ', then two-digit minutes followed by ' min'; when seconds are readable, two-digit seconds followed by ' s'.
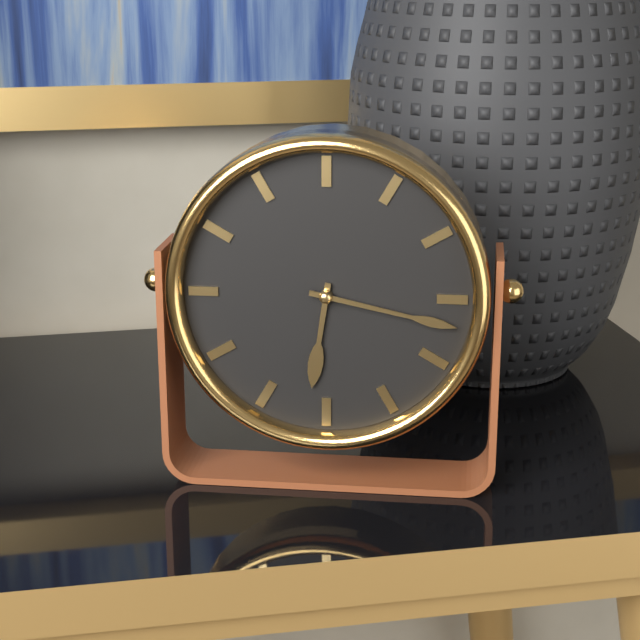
6 h 17 min
